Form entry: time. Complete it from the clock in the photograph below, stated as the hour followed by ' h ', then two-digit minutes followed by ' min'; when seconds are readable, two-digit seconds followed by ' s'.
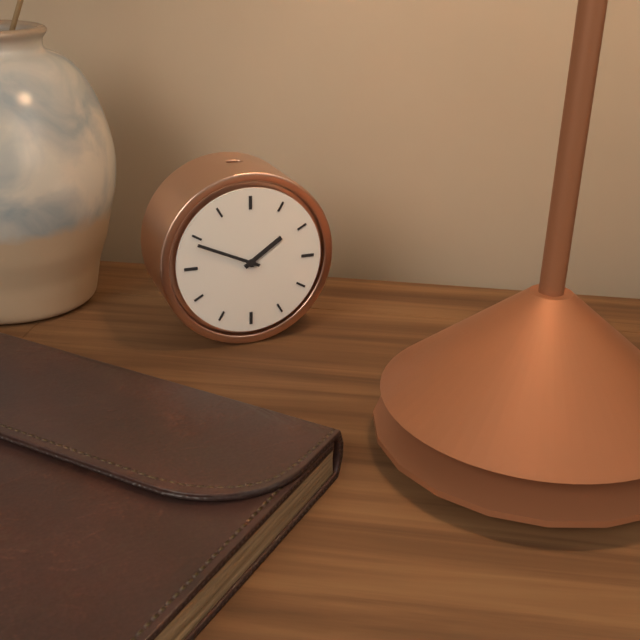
1 h 49 min
